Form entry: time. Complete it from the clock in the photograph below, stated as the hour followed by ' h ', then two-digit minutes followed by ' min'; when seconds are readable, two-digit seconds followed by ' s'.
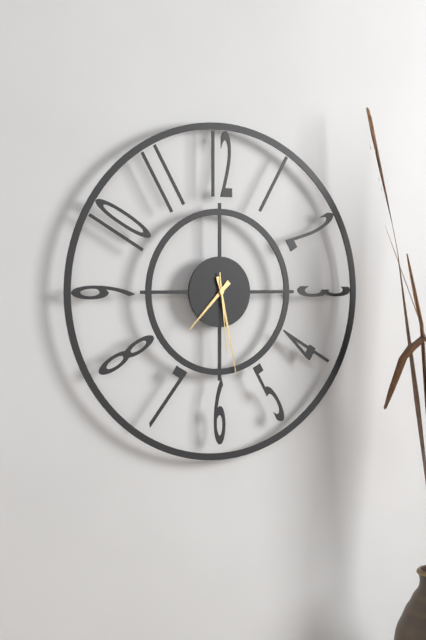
7 h 28 min 29 s
